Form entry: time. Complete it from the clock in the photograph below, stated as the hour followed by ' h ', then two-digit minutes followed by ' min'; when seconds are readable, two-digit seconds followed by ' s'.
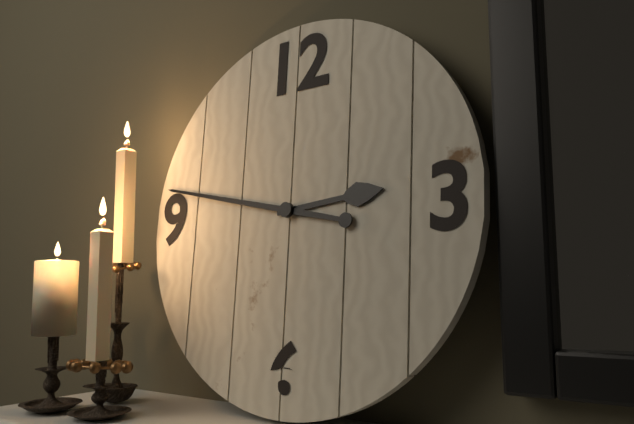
2 h 47 min
